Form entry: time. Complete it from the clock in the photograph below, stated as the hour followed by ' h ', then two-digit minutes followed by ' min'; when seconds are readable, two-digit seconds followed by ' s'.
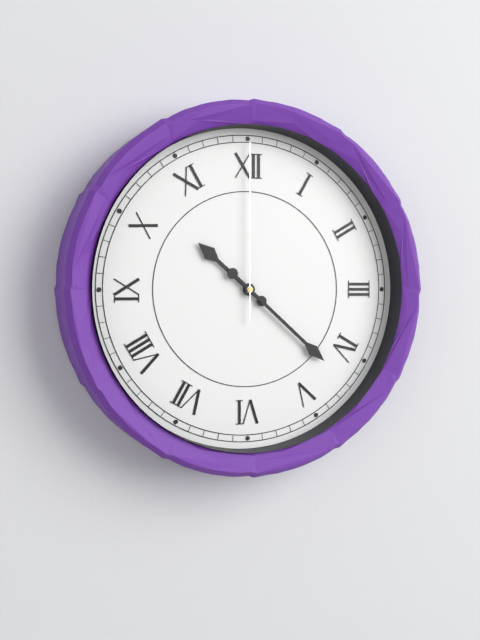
10 h 22 min 00 s
